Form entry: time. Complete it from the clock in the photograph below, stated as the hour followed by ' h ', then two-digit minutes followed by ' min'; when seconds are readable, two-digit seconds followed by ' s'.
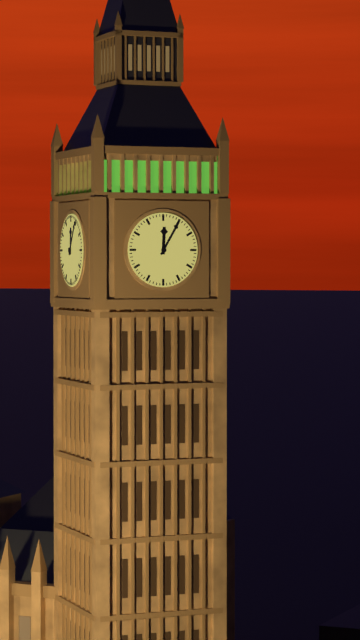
12 h 05 min
